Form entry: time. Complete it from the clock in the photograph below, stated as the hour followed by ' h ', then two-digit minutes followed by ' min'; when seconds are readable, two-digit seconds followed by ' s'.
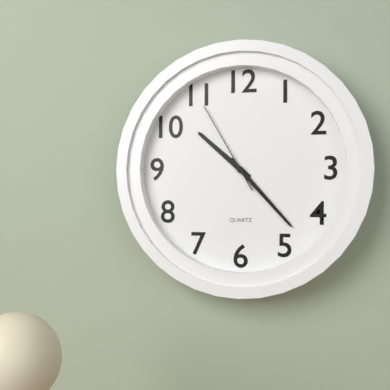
10 h 23 min 55 s
